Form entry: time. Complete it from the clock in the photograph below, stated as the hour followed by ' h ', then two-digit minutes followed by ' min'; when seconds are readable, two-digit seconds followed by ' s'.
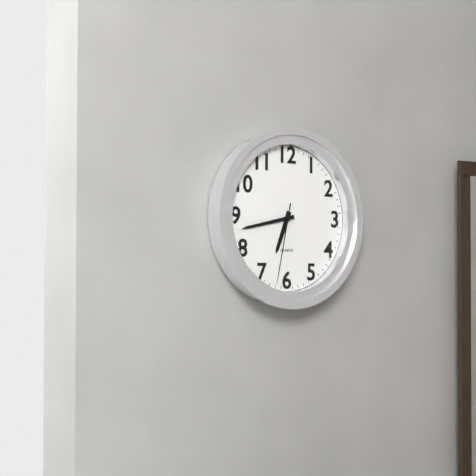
6 h 43 min 32 s
